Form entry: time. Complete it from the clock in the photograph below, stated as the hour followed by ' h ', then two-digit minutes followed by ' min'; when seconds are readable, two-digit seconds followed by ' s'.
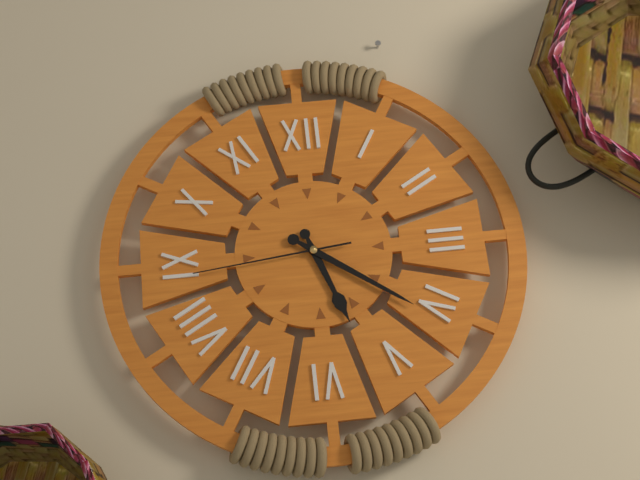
5 h 21 min 44 s
